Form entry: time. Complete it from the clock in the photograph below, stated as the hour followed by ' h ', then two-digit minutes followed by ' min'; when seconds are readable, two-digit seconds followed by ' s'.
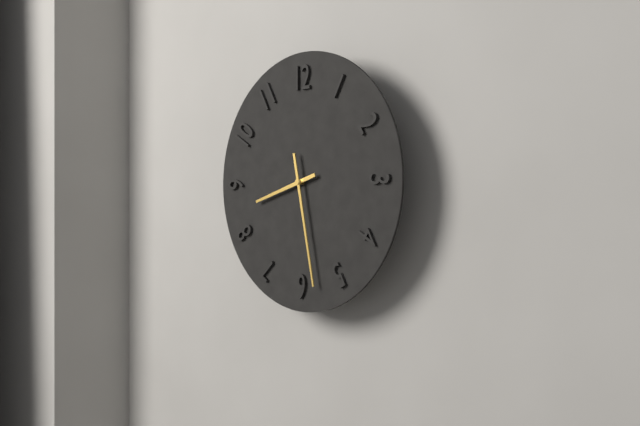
8 h 28 min
